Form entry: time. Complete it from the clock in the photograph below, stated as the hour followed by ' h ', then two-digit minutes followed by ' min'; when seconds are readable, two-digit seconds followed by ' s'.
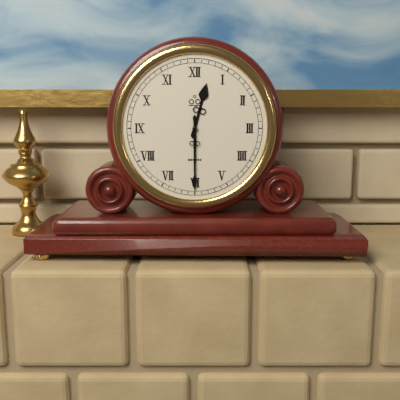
12 h 30 min
